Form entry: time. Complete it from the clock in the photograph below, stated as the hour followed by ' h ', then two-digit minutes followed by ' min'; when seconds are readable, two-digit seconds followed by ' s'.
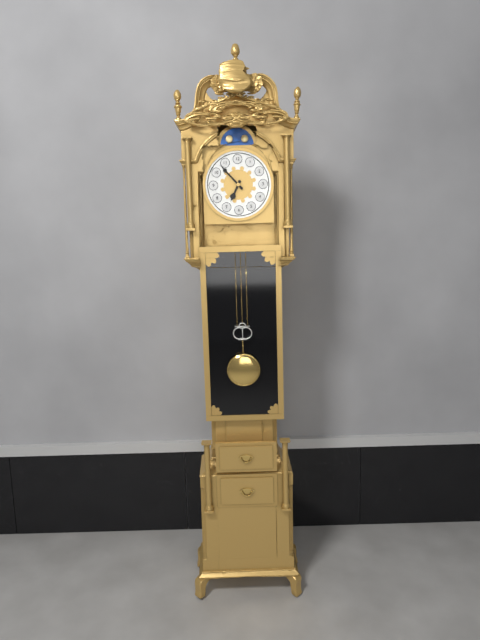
6 h 53 min
